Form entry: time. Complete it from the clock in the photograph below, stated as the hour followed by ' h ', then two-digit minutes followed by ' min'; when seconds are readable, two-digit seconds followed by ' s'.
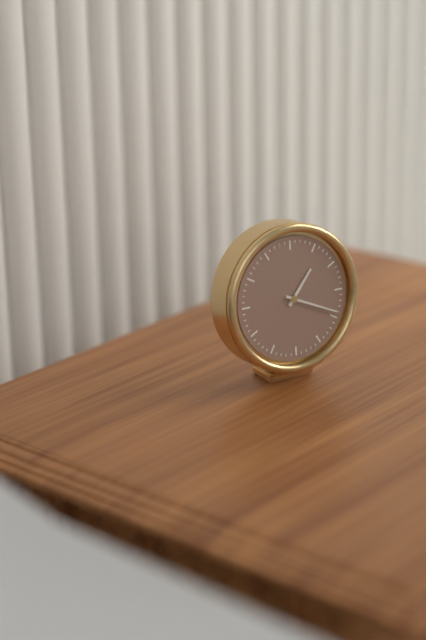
1 h 19 min
